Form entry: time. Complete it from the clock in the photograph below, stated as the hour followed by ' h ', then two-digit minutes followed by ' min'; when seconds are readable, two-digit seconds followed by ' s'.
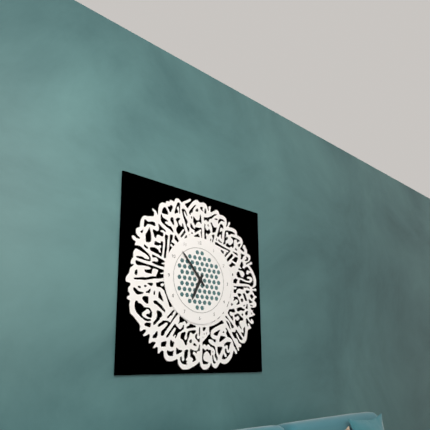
6 h 53 min
